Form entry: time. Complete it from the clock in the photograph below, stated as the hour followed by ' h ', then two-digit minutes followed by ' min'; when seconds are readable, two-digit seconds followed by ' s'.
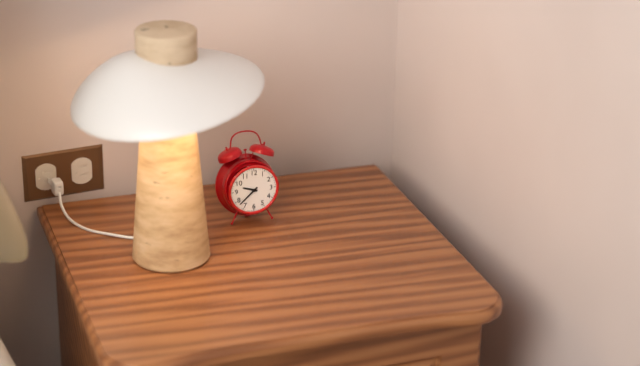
9 h 38 min
